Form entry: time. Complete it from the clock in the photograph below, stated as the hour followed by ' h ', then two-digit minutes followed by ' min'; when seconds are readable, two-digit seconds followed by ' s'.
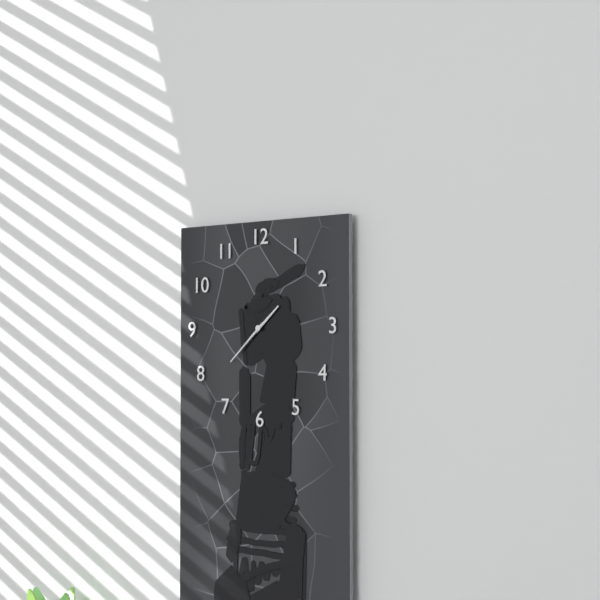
1 h 38 min
